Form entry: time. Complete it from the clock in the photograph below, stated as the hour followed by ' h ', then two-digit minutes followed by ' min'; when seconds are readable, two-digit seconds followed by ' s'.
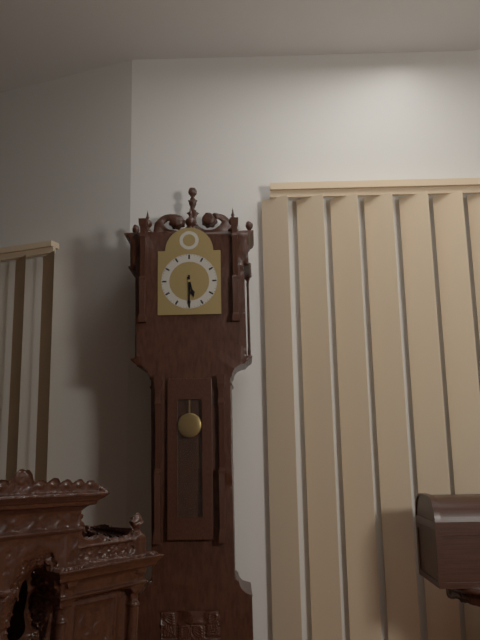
5 h 30 min
